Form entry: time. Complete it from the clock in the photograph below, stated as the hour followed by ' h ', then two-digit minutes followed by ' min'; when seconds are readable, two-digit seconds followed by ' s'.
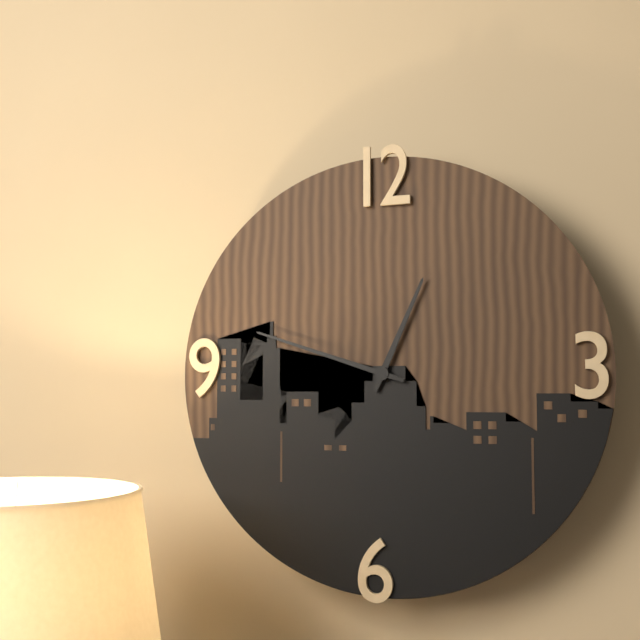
12 h 48 min
